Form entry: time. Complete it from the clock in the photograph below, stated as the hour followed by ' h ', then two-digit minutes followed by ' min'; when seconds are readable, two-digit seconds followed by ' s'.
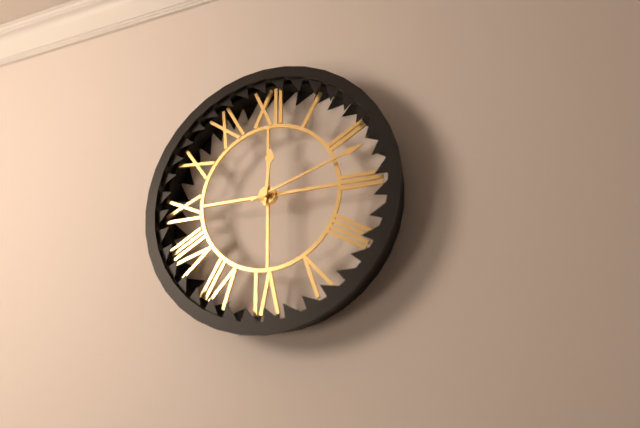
12 h 12 min
